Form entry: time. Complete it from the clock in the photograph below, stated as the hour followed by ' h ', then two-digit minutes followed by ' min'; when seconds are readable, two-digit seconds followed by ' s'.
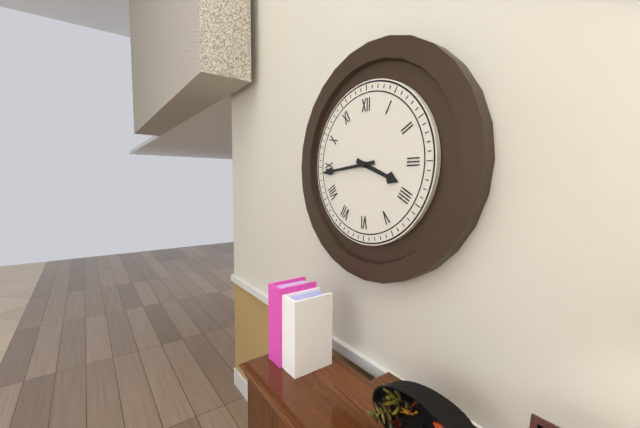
3 h 44 min
